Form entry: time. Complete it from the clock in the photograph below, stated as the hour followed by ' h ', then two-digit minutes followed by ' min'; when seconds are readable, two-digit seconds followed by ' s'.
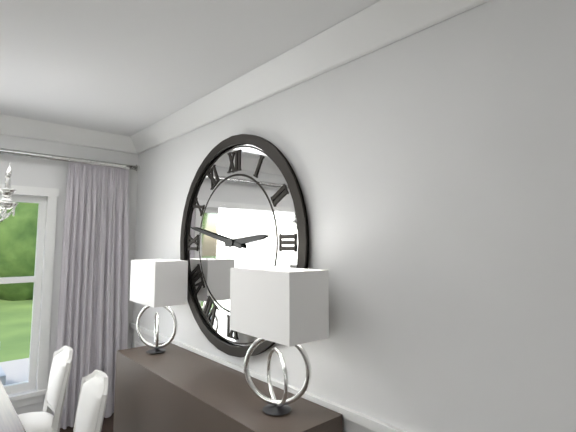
2 h 47 min
